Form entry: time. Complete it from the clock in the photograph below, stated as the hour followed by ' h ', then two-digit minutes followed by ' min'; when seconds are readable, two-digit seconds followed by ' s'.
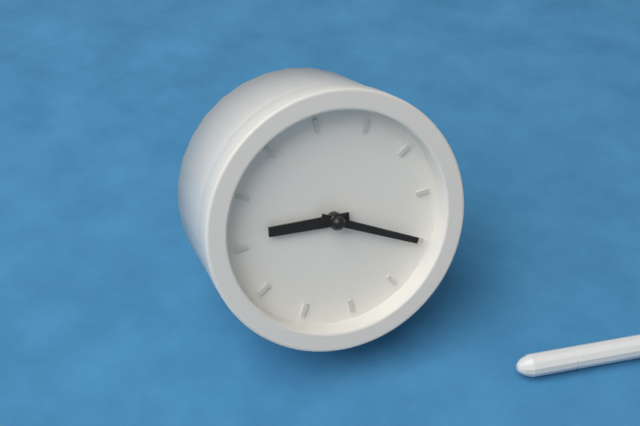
8 h 15 min
